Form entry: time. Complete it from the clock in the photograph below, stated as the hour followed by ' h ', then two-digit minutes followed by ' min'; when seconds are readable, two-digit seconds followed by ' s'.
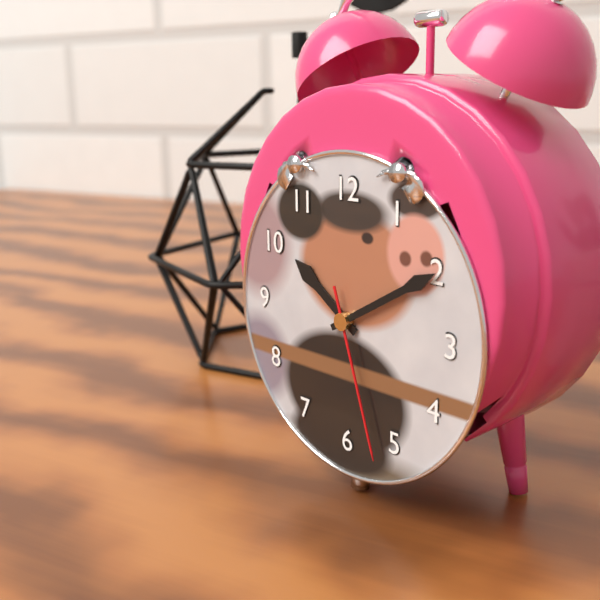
10 h 10 min 27 s
